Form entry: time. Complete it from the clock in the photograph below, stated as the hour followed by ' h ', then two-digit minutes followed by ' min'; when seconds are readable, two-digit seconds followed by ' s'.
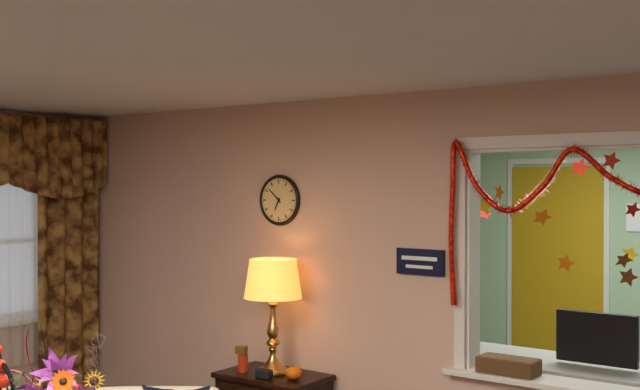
6 h 52 min
